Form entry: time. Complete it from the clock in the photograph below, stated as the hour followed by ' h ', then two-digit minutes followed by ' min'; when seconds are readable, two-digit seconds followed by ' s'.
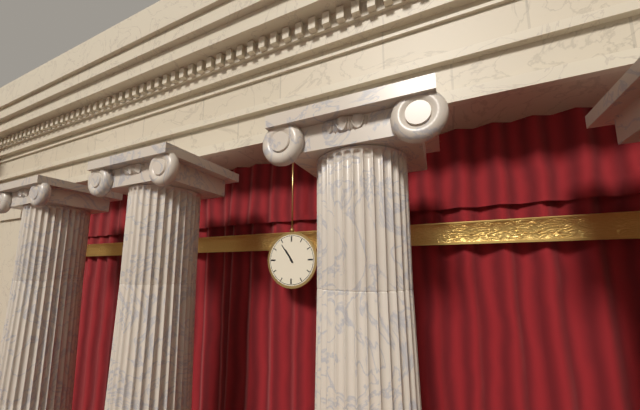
10 h 54 min
